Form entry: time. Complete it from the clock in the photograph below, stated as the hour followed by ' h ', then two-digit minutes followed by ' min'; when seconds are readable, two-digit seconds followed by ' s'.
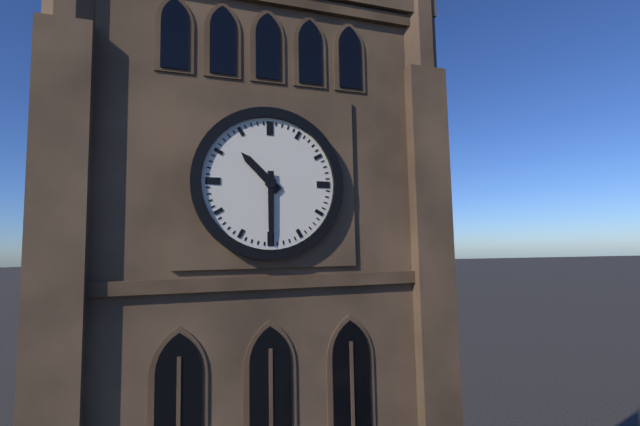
10 h 30 min
